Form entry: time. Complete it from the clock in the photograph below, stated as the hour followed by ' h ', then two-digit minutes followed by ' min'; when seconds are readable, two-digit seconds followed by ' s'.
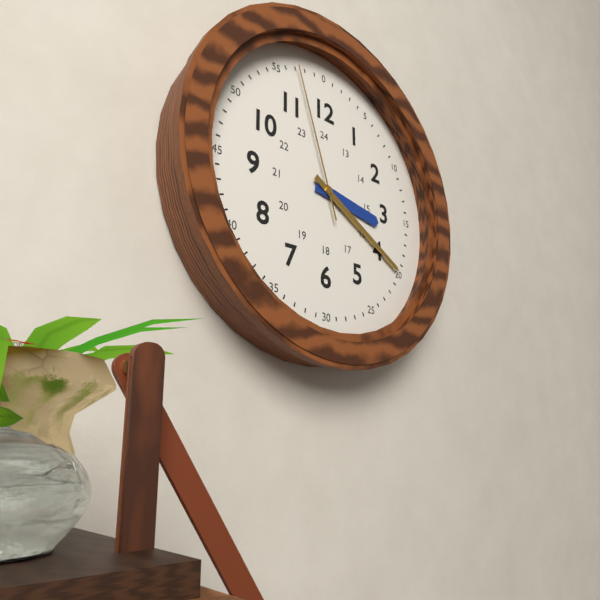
3 h 20 min 57 s
